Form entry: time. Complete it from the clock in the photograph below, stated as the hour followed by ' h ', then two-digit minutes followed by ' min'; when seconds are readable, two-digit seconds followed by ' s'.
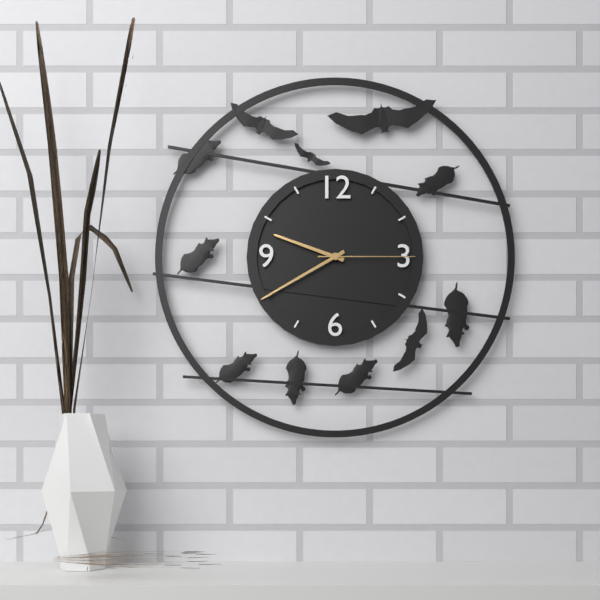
9 h 40 min 15 s
